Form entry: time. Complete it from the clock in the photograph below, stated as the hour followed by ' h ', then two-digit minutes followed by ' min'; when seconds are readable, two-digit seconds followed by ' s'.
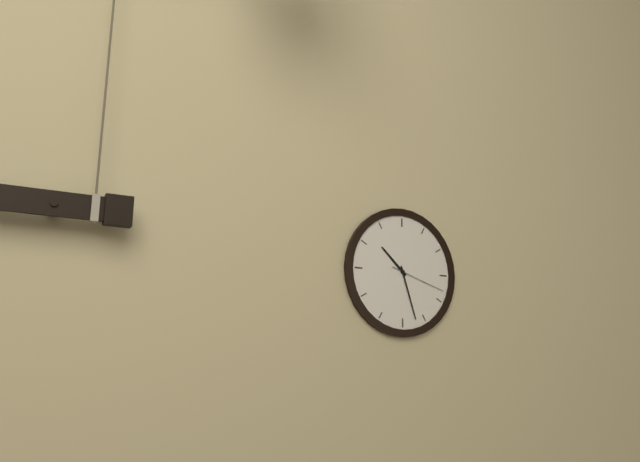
10 h 27 min 18 s
